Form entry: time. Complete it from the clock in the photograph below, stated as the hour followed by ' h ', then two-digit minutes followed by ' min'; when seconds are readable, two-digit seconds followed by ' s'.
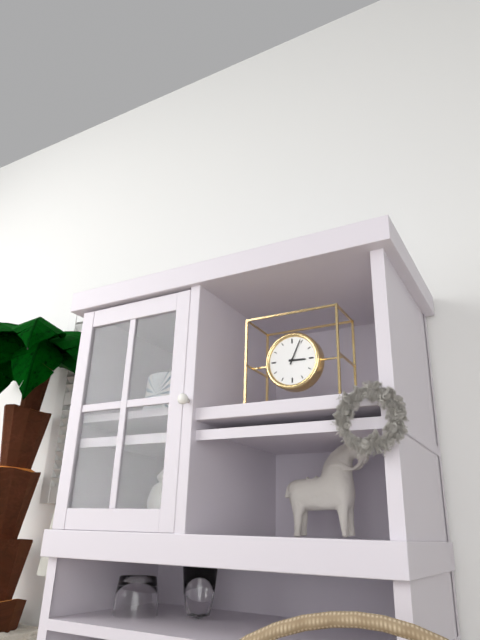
3 h 04 min
